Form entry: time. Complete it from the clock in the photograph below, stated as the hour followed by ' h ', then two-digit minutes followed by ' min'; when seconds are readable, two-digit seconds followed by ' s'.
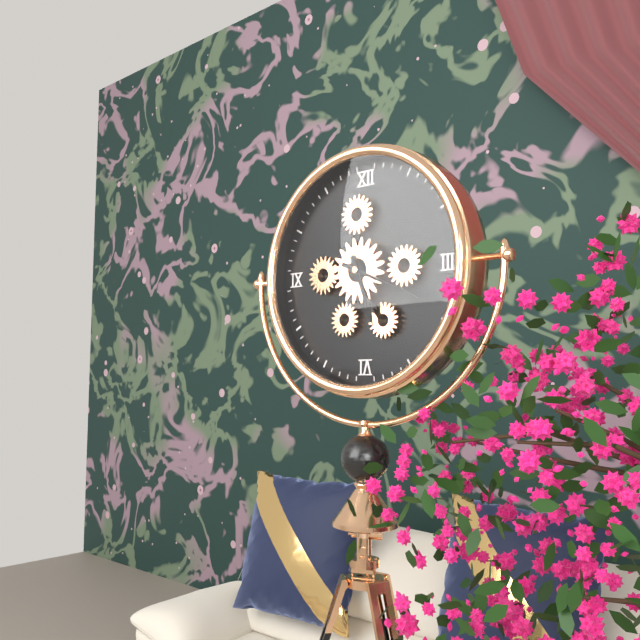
5 h 19 min
